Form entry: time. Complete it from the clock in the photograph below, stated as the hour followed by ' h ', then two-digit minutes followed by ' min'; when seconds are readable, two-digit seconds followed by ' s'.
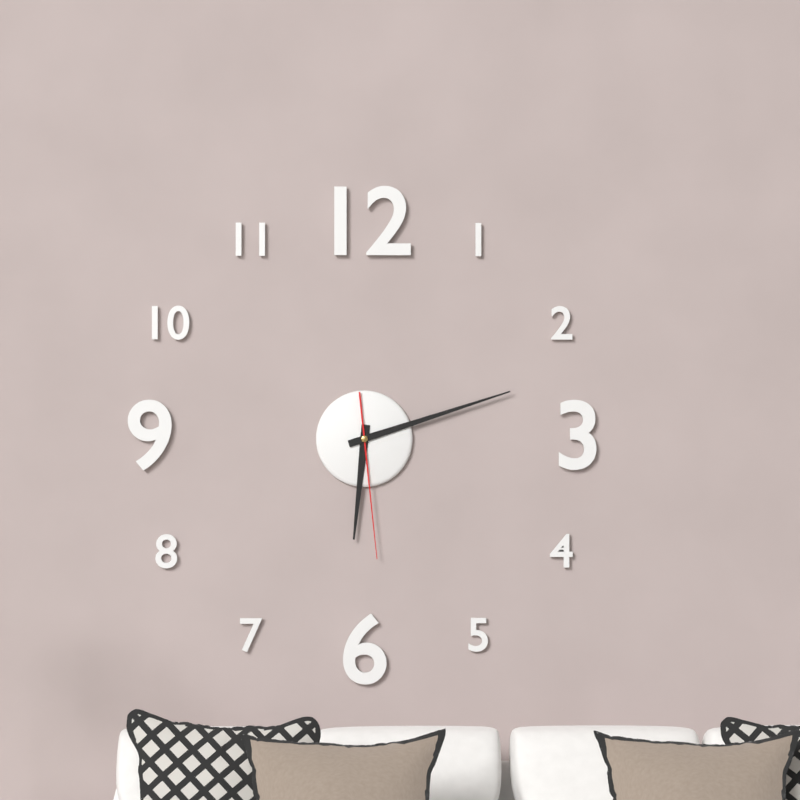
6 h 12 min 29 s
